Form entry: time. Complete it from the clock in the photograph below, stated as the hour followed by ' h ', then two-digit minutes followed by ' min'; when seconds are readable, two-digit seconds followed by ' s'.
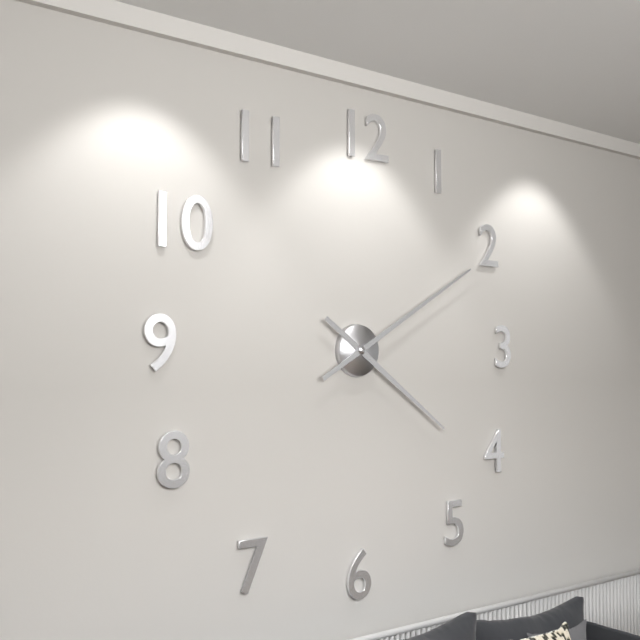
4 h 10 min
